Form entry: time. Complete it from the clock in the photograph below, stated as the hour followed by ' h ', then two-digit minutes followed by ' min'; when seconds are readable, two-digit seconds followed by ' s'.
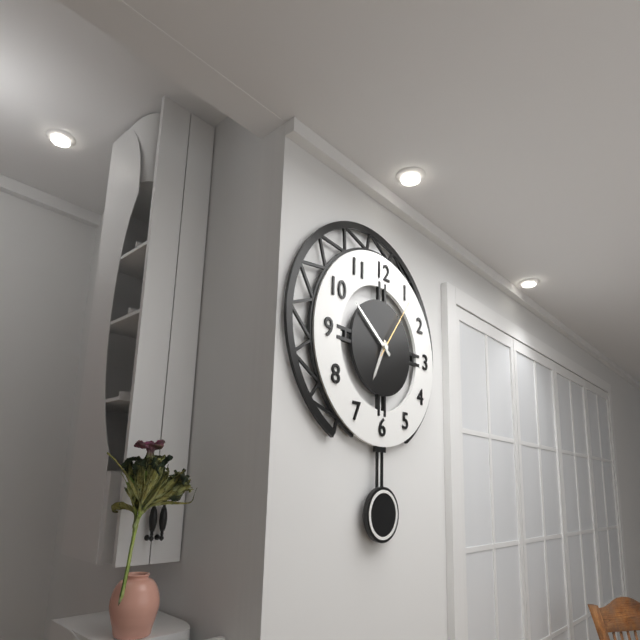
6 h 51 min 06 s
